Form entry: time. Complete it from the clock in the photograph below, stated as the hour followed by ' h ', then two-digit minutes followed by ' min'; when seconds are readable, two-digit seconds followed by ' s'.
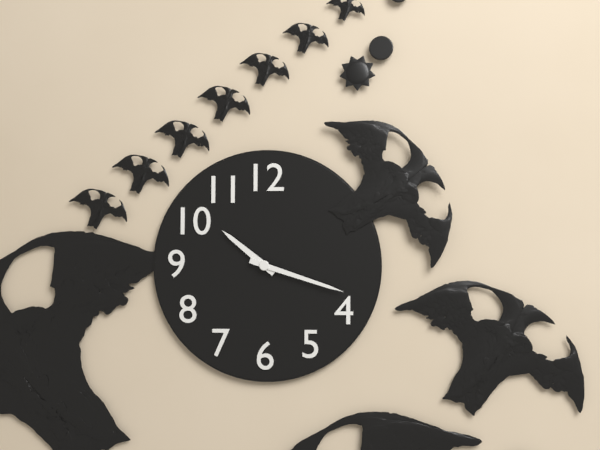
10 h 18 min
